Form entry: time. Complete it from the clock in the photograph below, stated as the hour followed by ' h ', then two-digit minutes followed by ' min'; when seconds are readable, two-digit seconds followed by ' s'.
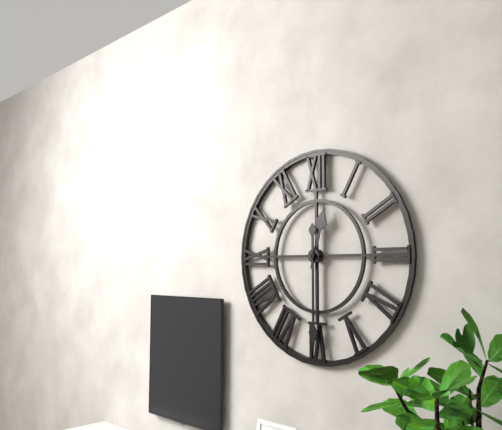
12 h 30 min
